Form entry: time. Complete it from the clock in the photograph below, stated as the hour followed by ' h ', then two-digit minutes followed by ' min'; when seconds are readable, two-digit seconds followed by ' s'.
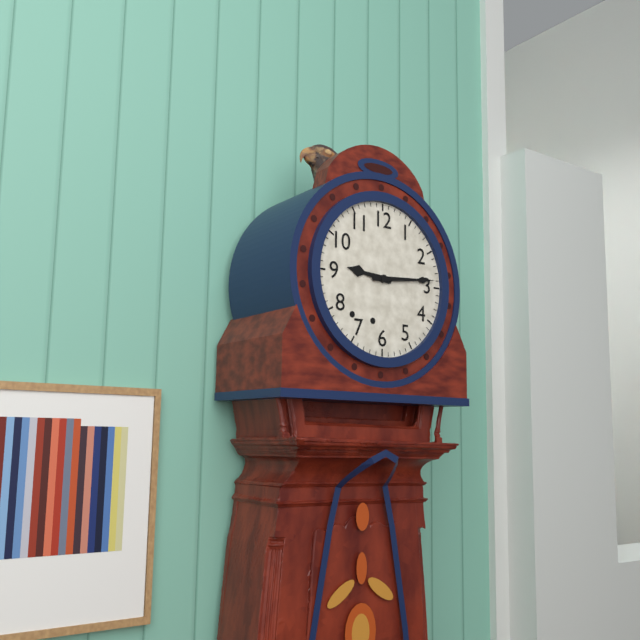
9 h 14 min
